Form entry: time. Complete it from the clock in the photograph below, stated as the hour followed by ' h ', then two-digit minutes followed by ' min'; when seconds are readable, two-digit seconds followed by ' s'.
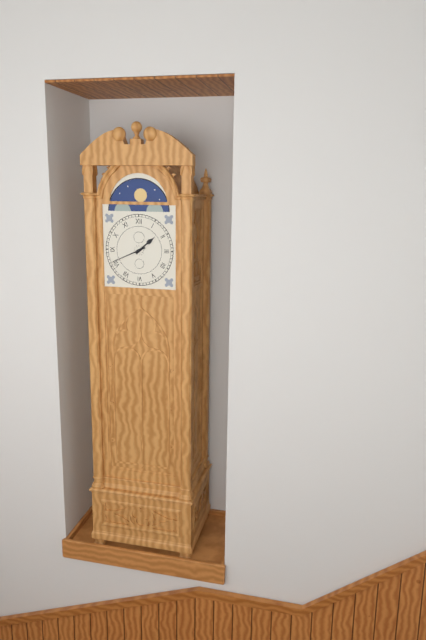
1 h 41 min
